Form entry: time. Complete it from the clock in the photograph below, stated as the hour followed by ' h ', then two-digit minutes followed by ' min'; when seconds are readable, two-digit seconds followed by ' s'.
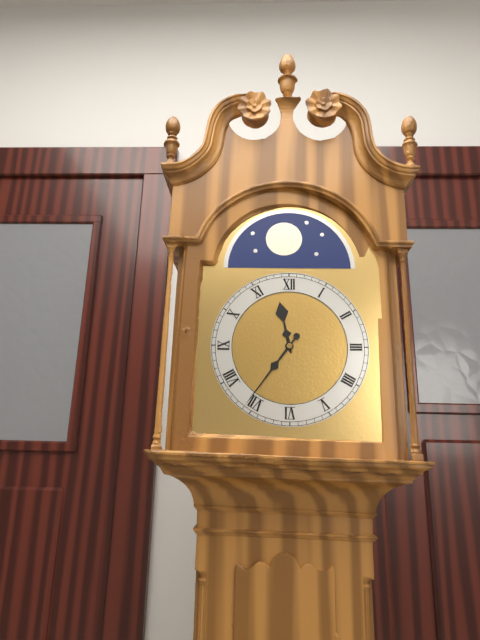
11 h 36 min
